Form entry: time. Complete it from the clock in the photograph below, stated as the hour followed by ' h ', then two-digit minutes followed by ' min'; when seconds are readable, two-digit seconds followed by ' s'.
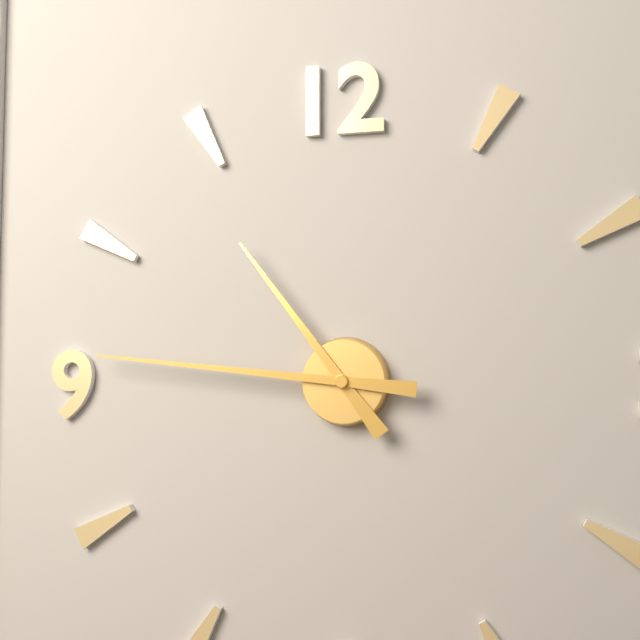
10 h 46 min
